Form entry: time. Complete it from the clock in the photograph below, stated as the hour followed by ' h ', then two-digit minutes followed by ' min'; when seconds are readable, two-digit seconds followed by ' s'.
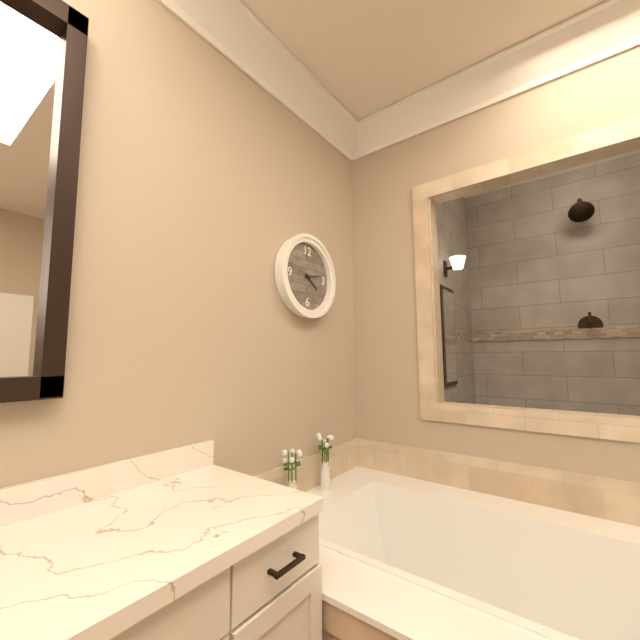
4 h 13 min
